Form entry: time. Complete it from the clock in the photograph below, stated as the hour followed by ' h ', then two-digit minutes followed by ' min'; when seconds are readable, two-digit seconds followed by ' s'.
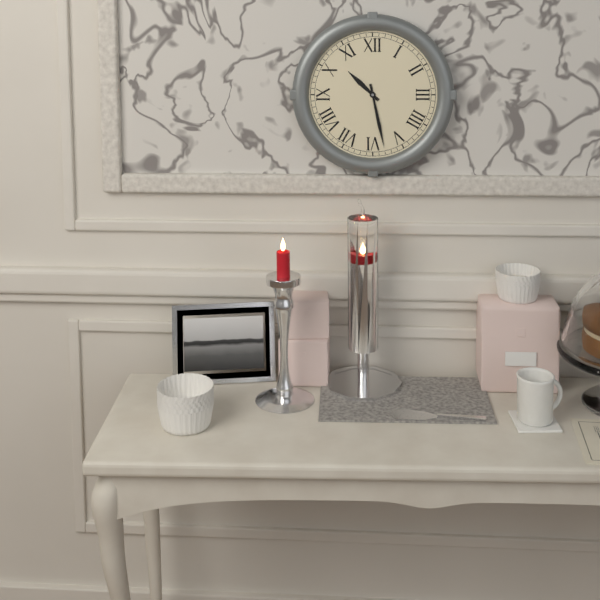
10 h 28 min
